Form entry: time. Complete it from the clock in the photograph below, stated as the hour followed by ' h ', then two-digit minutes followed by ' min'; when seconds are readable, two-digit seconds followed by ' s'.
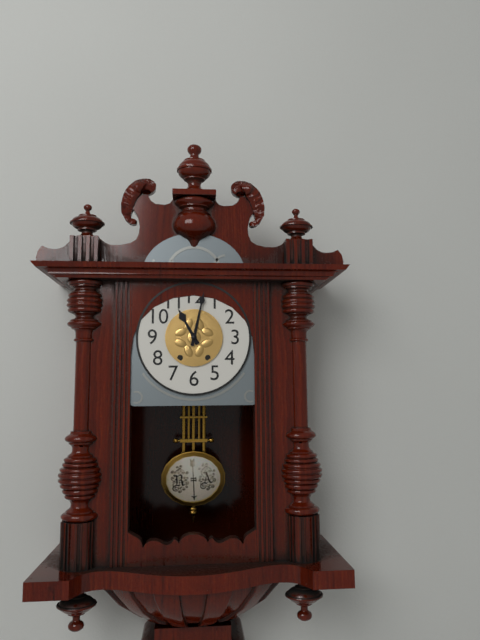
11 h 02 min
